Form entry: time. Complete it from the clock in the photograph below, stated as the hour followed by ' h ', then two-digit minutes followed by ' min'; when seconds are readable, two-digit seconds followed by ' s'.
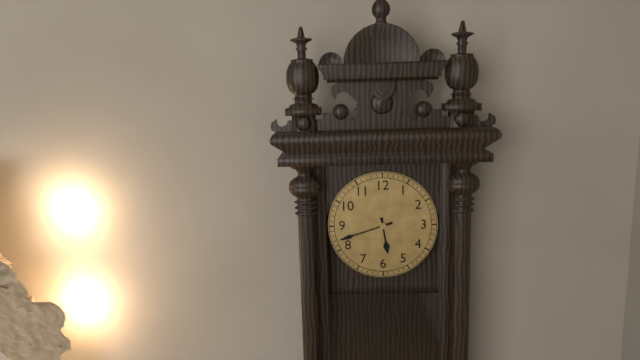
5 h 42 min
